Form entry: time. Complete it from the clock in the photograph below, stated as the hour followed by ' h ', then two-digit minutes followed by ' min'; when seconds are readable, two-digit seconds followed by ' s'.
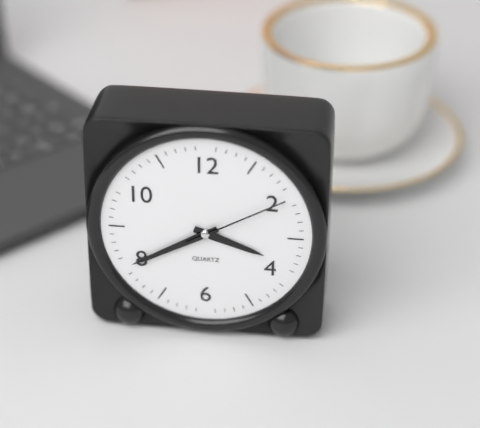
3 h 40 min 10 s
